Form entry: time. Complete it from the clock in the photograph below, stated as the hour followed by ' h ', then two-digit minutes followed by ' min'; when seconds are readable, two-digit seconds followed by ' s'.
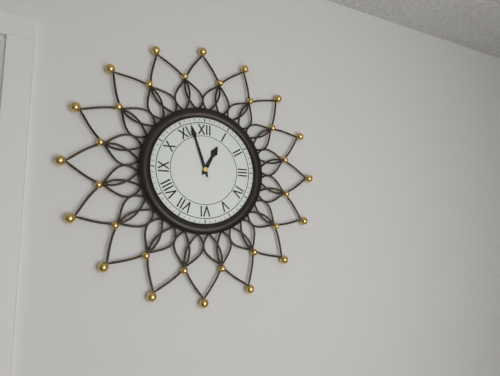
12 h 57 min
